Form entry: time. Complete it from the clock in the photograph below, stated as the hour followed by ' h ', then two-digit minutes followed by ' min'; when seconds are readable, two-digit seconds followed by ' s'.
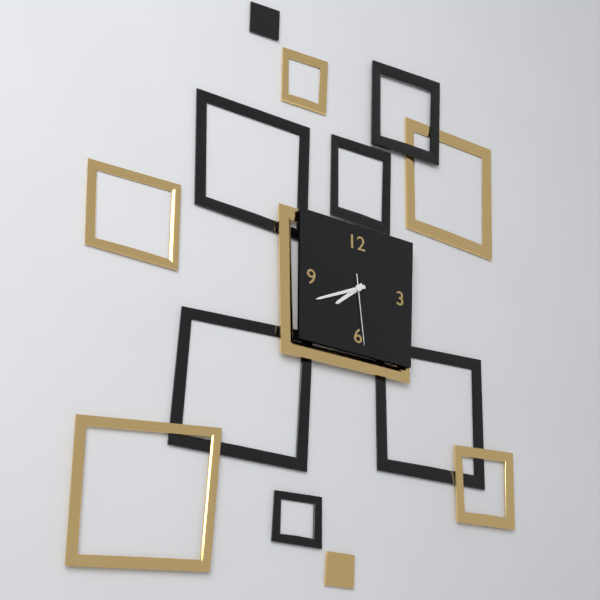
7 h 41 min 29 s
